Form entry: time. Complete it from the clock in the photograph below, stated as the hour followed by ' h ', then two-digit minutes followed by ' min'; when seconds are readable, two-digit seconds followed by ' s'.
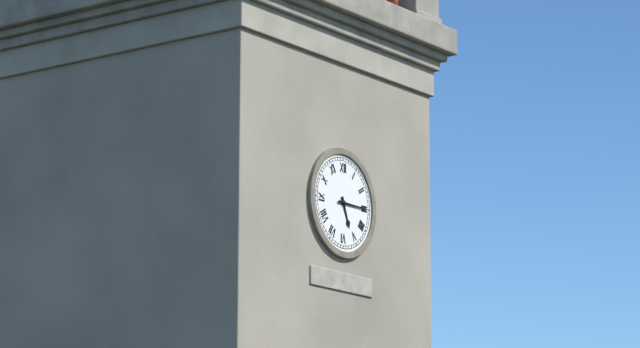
5 h 15 min
